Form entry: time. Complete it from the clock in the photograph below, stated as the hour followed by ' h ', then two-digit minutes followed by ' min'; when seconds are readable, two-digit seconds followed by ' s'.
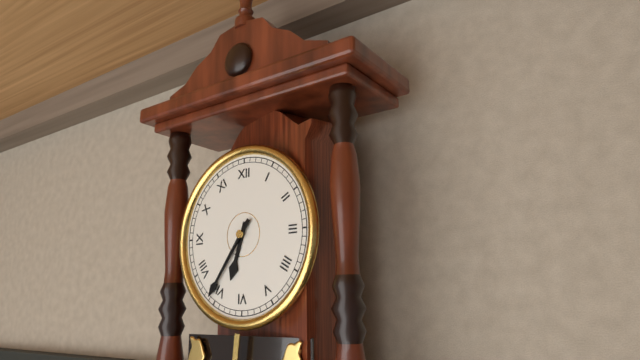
6 h 36 min
